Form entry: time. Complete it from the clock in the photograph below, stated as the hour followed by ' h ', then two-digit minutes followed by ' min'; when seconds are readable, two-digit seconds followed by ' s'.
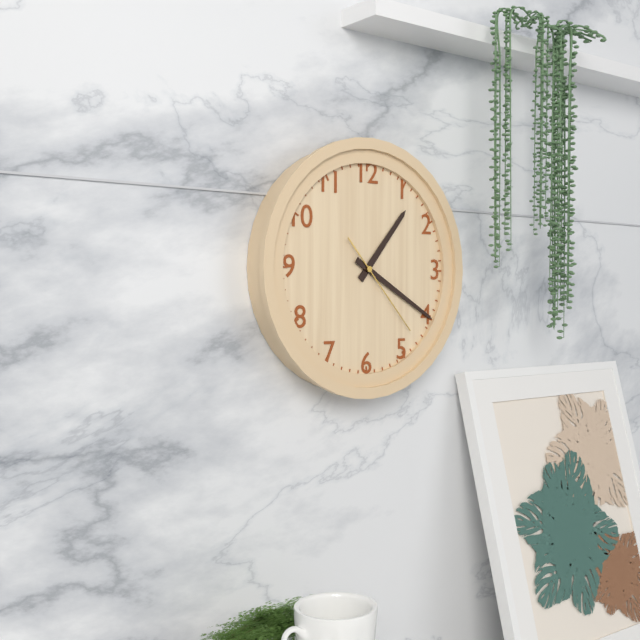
1 h 20 min 23 s
